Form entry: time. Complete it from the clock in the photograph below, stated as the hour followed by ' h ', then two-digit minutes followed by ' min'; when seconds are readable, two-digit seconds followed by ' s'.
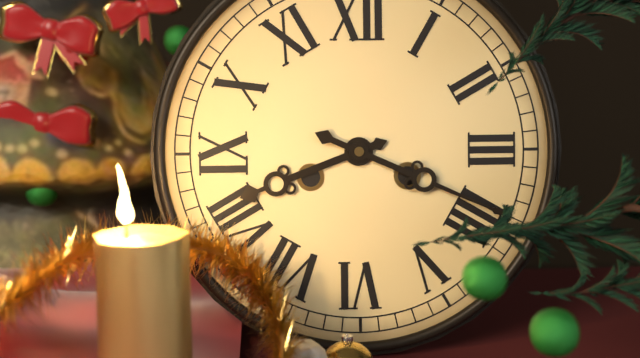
8 h 19 min
